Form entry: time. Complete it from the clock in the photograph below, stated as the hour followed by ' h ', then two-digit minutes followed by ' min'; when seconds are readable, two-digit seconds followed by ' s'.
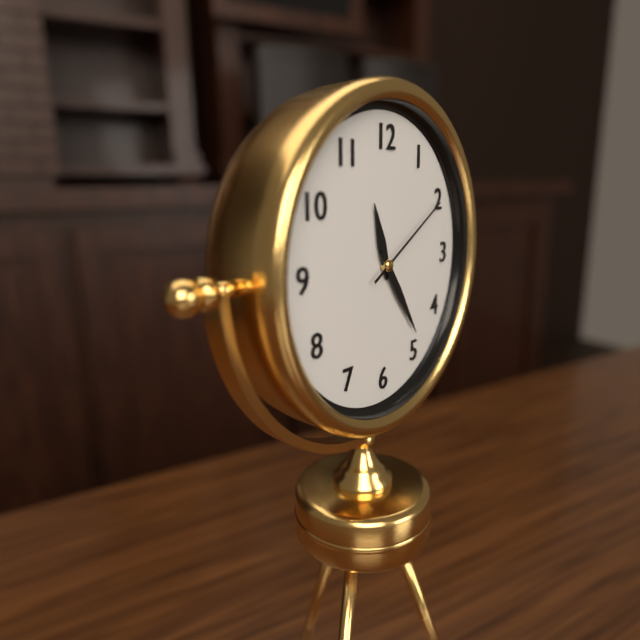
11 h 24 min 10 s
